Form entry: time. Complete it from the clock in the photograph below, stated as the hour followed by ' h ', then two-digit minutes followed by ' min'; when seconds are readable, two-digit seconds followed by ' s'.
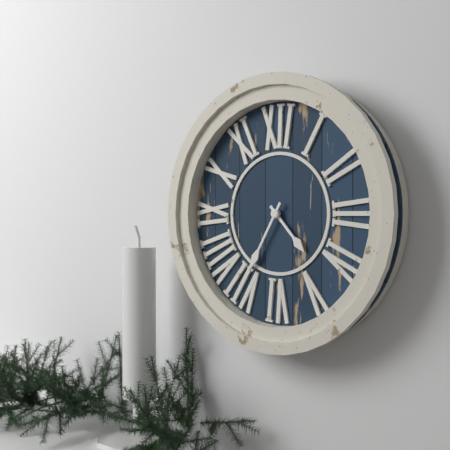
4 h 35 min
